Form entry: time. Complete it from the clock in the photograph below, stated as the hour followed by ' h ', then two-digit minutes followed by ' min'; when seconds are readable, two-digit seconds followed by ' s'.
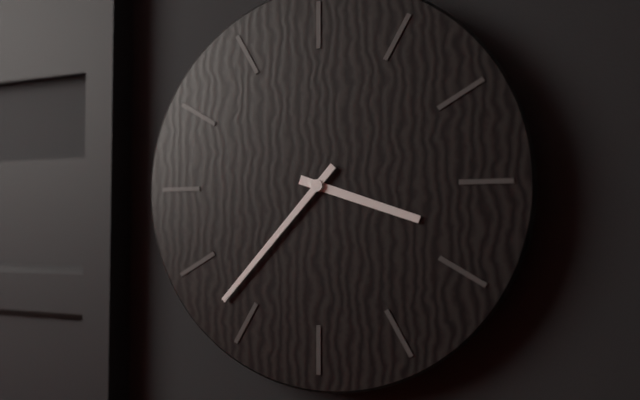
3 h 37 min
